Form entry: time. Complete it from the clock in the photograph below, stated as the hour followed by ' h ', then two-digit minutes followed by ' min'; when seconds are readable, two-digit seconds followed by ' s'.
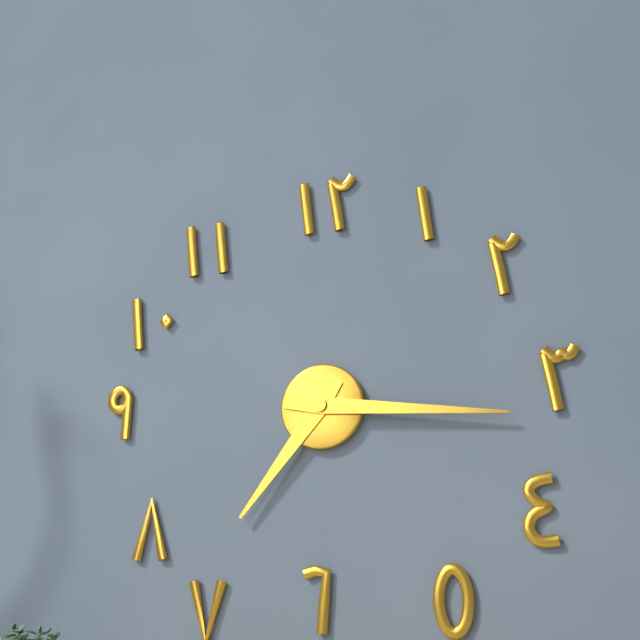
7 h 16 min
